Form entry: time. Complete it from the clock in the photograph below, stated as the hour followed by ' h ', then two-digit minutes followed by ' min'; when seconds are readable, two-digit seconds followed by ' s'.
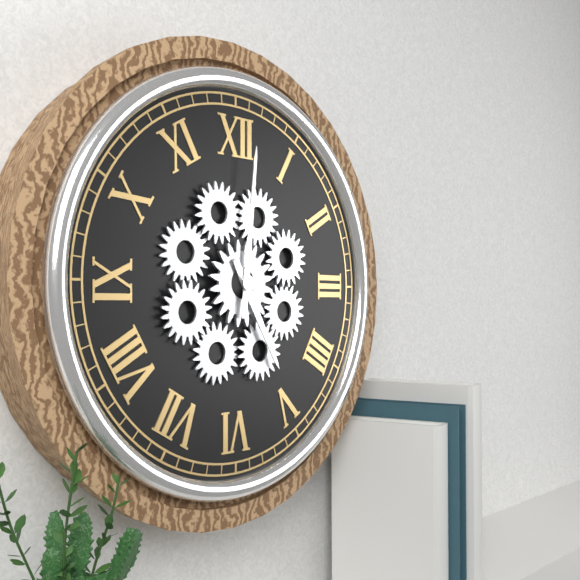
5 h 01 min
